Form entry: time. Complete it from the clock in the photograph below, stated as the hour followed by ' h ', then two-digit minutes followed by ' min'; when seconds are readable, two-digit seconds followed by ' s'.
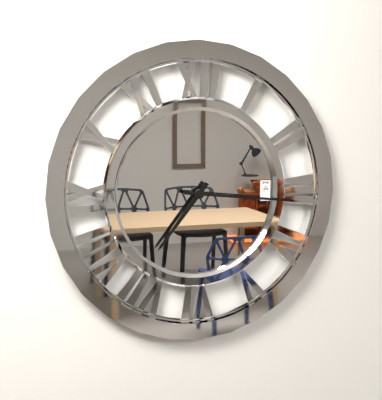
7 h 16 min
